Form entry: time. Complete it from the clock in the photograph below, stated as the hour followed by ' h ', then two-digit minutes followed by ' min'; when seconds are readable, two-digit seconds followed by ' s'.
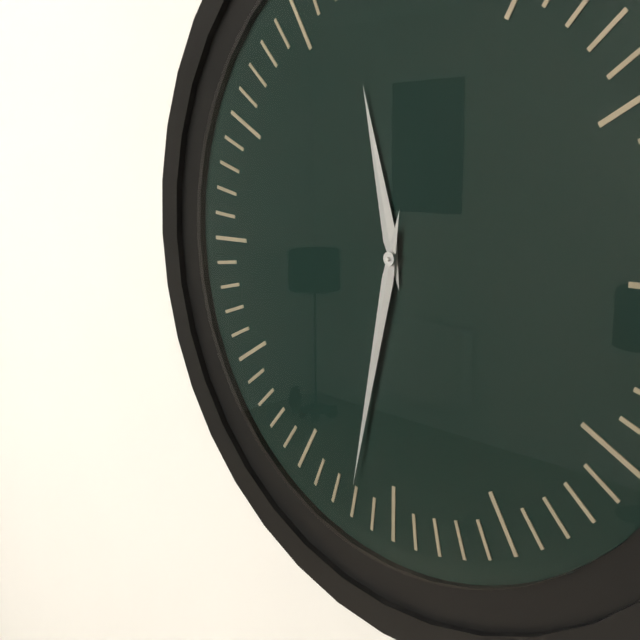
11 h 32 min
